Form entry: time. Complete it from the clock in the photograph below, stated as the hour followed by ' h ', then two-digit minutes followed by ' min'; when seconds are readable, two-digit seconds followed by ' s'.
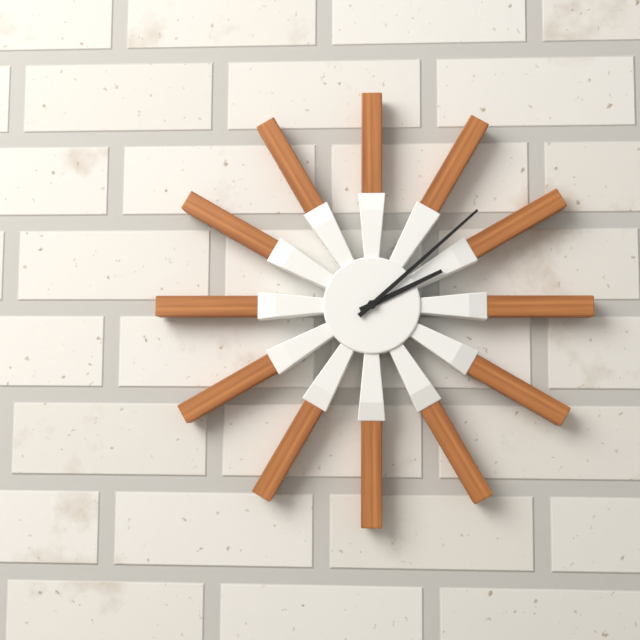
2 h 08 min
